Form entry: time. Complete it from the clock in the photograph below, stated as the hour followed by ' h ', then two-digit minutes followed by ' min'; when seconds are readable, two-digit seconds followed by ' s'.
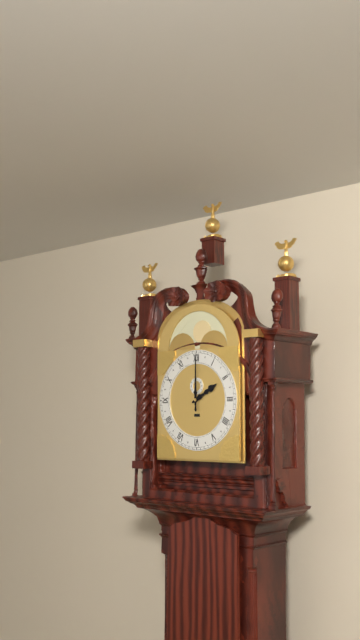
2 h 00 min
